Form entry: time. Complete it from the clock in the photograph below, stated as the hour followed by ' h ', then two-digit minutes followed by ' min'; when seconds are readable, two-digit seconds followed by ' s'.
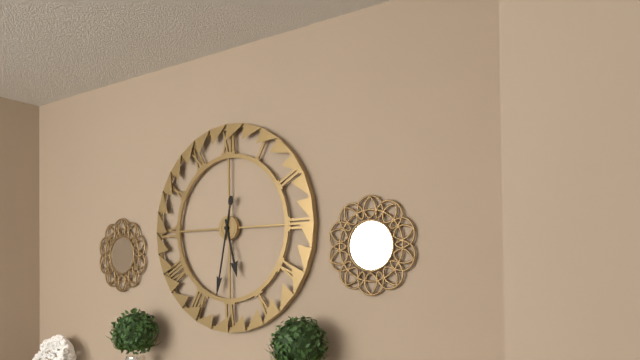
5 h 32 min
